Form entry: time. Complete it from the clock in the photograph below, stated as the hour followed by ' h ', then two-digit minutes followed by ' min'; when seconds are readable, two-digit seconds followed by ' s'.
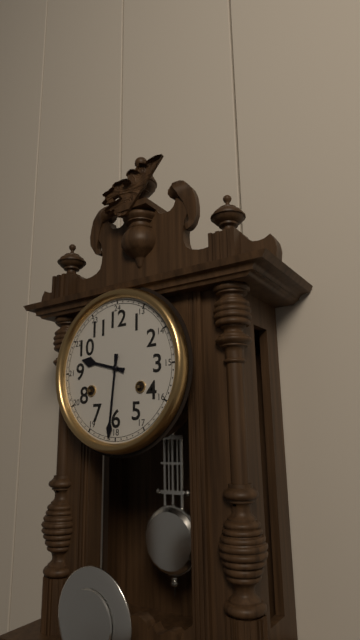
9 h 31 min
